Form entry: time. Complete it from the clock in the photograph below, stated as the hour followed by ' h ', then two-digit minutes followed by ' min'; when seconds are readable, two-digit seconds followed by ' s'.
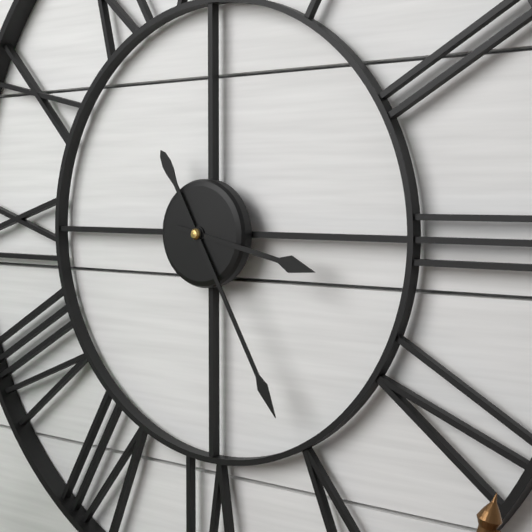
3 h 25 min
